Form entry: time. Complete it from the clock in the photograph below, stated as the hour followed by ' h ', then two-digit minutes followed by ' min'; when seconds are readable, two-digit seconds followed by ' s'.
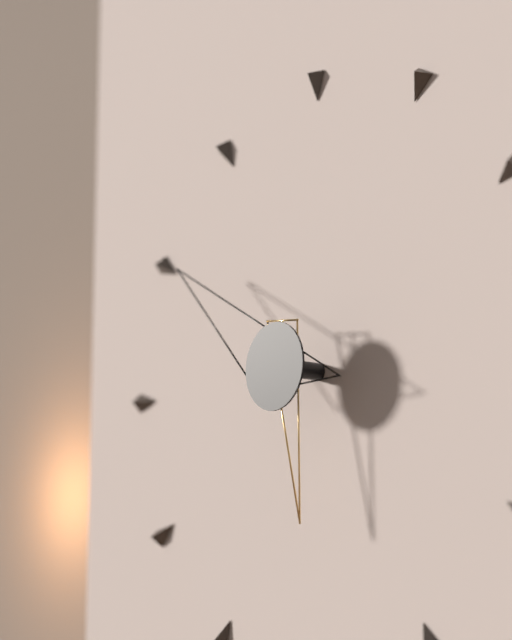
5 h 51 min
